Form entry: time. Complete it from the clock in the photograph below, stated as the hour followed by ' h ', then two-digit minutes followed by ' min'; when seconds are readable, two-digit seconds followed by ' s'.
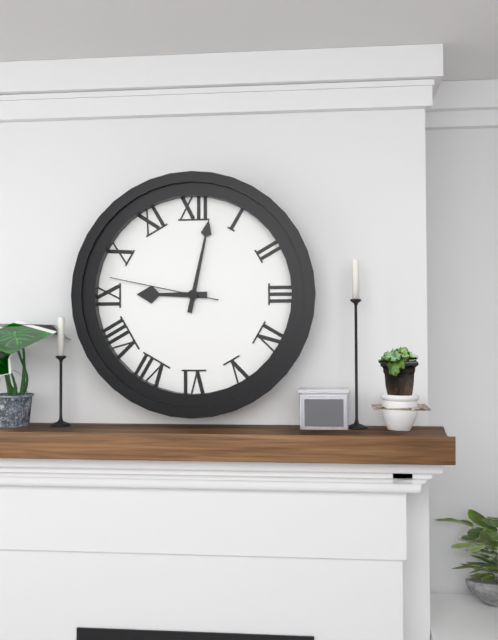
9 h 02 min 47 s
